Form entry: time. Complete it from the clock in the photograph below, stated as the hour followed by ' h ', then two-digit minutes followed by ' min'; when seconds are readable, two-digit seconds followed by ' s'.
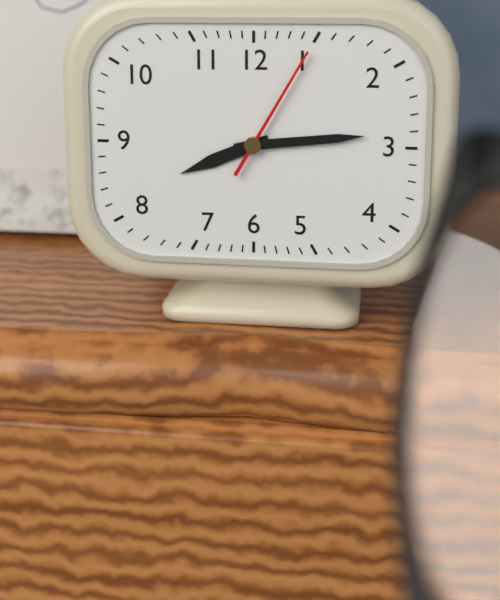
8 h 14 min 05 s
